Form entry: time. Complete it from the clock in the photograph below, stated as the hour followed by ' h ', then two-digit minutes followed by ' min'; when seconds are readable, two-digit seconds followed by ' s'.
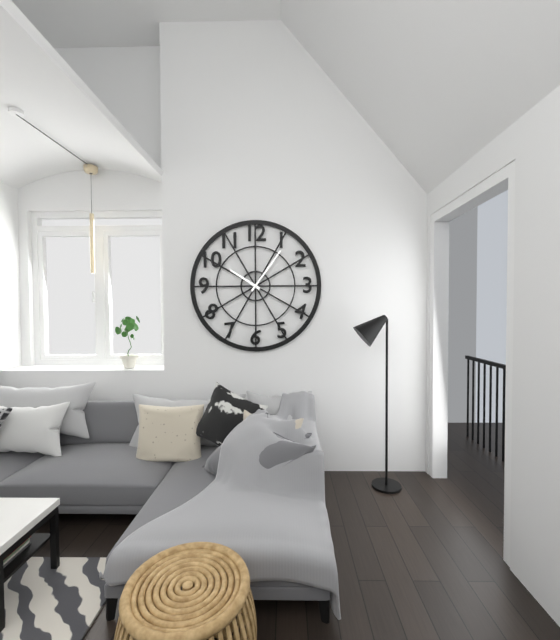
10 h 06 min
